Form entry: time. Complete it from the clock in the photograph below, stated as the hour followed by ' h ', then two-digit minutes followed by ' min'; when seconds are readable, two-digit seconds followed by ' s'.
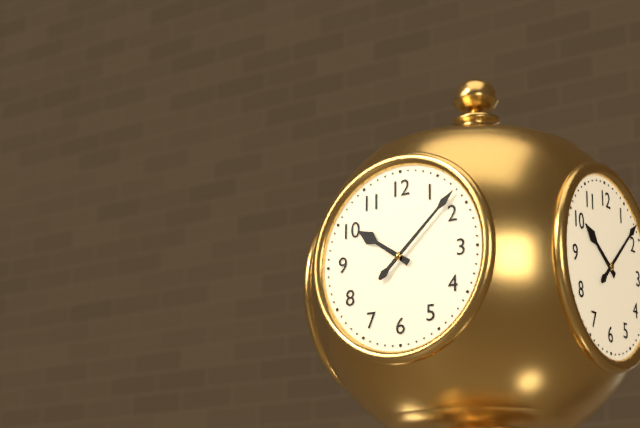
10 h 08 min
